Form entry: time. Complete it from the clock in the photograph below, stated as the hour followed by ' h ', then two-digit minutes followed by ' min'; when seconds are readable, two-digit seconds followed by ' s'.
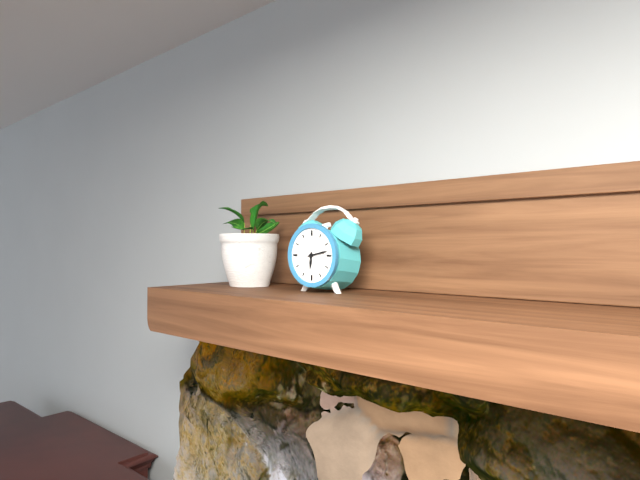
6 h 13 min
